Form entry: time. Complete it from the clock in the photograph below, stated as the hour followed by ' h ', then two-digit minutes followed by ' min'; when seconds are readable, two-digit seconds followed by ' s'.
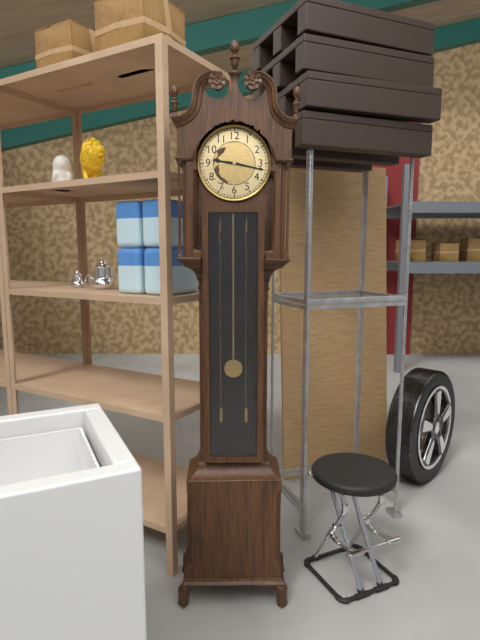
9 h 17 min
